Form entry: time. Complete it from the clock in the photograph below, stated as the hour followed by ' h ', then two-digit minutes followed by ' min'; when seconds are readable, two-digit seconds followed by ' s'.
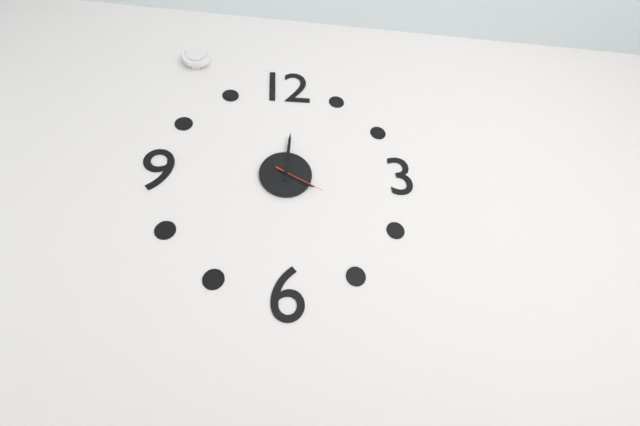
4 h 01 min
